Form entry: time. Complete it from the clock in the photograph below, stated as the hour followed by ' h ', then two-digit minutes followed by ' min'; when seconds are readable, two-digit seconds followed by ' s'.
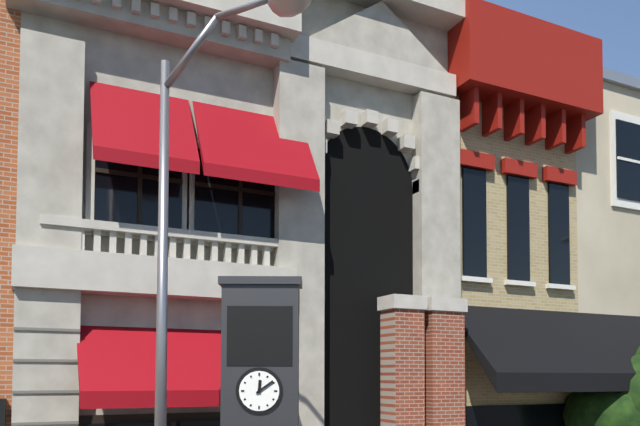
12 h 09 min
